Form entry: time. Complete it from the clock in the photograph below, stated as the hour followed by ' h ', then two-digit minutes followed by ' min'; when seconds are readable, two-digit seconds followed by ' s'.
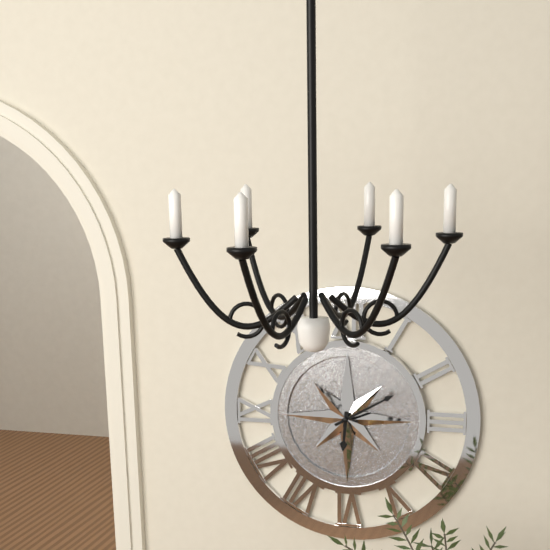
6 h 10 min
